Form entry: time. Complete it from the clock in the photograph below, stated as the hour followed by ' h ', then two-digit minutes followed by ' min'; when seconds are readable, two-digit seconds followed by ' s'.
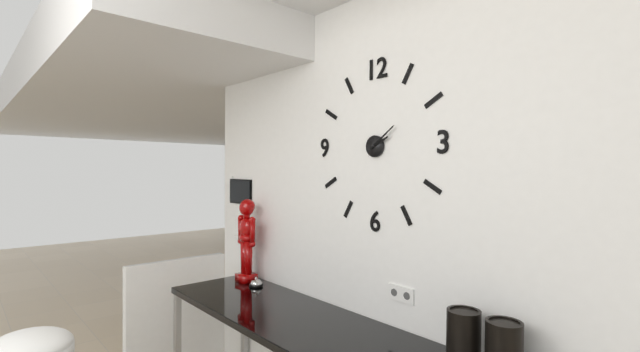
2 h 09 min
